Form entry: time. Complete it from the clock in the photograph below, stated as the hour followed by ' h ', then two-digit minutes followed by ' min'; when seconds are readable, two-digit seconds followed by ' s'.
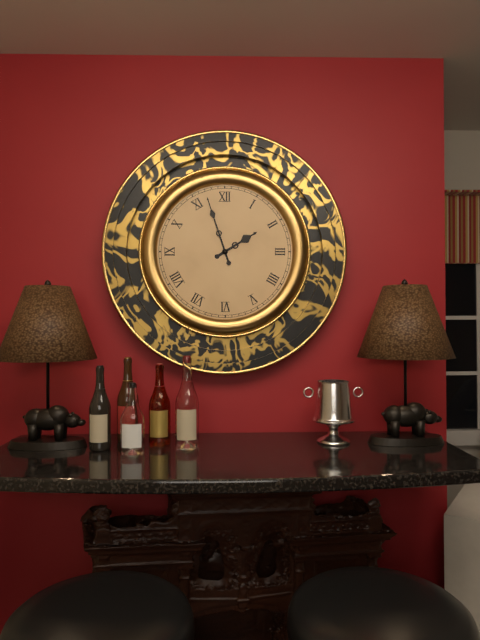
1 h 57 min
